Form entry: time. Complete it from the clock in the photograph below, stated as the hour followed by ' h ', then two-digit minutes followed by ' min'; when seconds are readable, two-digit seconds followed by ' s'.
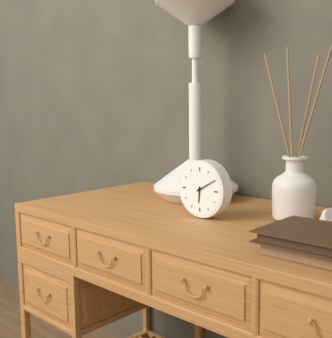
6 h 10 min
